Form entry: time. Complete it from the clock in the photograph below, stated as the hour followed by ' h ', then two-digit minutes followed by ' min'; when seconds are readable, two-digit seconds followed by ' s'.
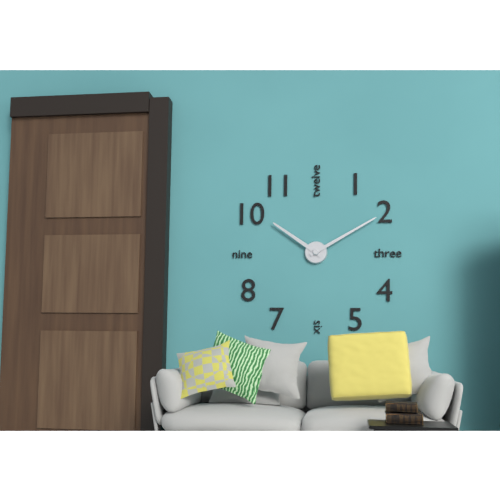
10 h 10 min
